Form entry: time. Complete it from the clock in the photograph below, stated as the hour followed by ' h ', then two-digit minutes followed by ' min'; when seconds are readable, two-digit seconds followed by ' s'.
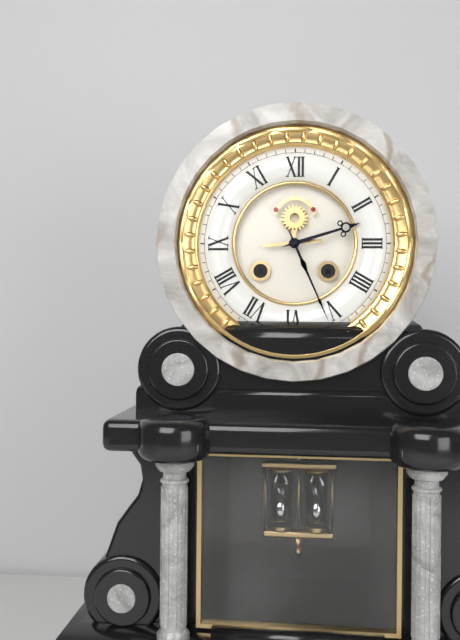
2 h 26 min
